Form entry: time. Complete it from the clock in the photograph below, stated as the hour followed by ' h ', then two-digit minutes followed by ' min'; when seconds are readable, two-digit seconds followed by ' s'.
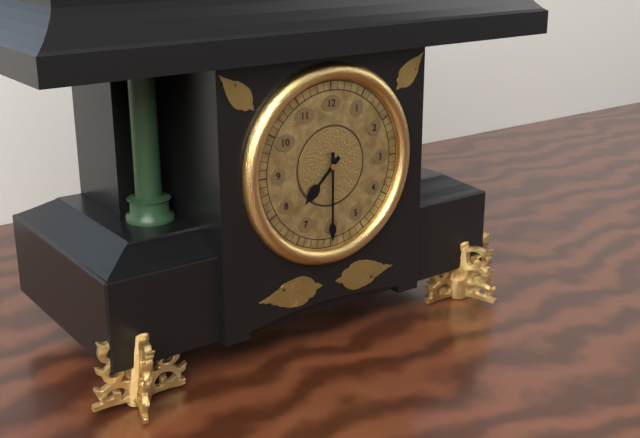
7 h 30 min
